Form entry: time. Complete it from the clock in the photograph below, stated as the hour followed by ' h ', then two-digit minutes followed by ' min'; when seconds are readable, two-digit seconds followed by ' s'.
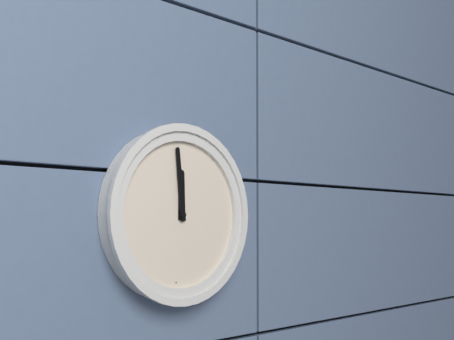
11 h 59 min
